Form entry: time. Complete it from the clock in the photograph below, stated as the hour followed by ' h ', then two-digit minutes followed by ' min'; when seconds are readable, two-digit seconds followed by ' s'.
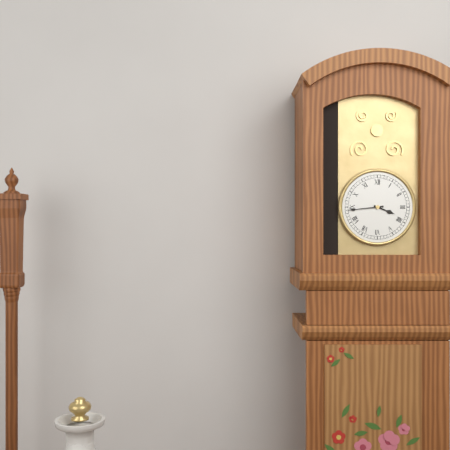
3 h 44 min
